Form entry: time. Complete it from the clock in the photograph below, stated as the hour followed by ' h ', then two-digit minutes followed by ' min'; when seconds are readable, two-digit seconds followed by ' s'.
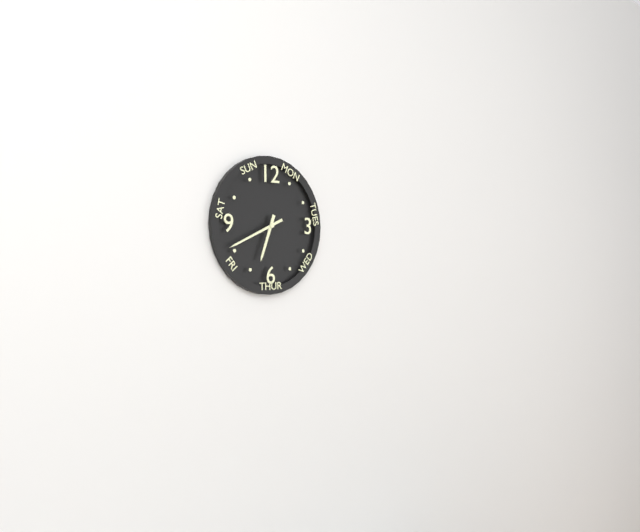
6 h 41 min
